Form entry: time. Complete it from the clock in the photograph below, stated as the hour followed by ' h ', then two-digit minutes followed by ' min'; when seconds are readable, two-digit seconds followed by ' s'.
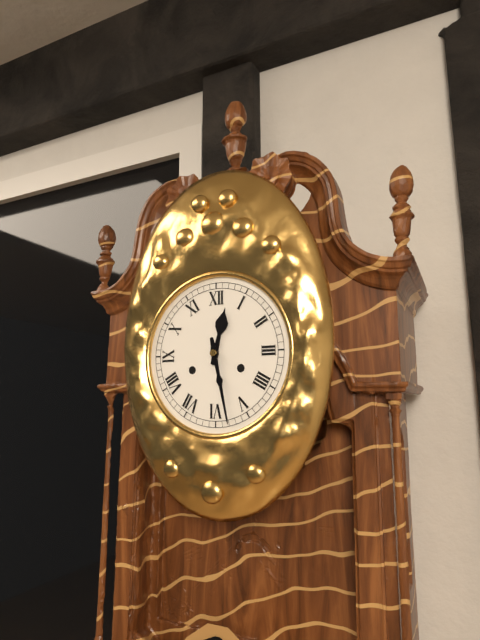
12 h 28 min
